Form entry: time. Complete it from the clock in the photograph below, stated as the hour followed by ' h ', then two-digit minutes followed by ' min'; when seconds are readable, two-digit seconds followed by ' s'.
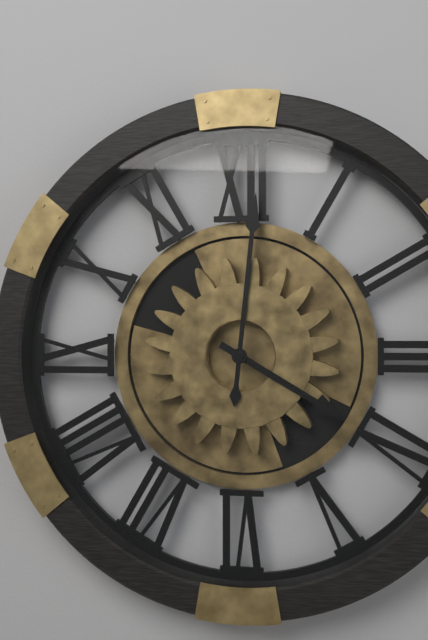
4 h 01 min
